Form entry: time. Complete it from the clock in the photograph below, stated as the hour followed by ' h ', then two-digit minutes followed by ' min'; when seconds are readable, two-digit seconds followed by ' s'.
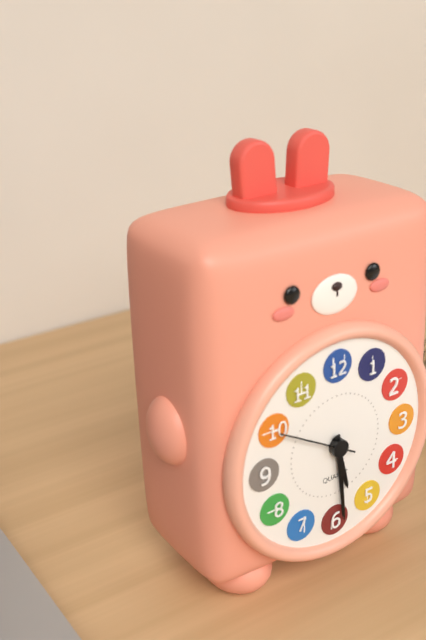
5 h 29 min
